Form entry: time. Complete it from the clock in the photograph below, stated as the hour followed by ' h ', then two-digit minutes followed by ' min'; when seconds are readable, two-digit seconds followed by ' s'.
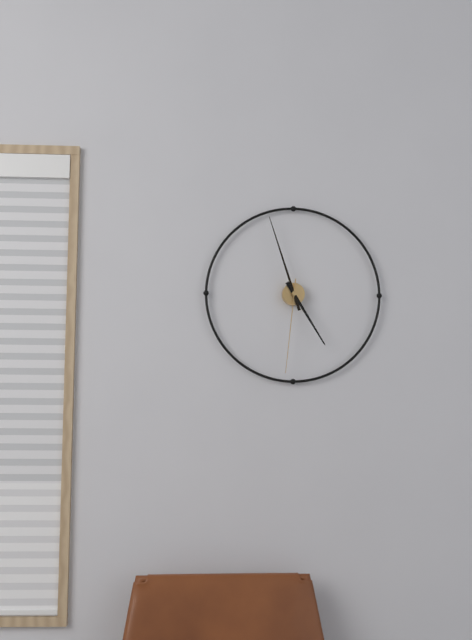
4 h 57 min 31 s
